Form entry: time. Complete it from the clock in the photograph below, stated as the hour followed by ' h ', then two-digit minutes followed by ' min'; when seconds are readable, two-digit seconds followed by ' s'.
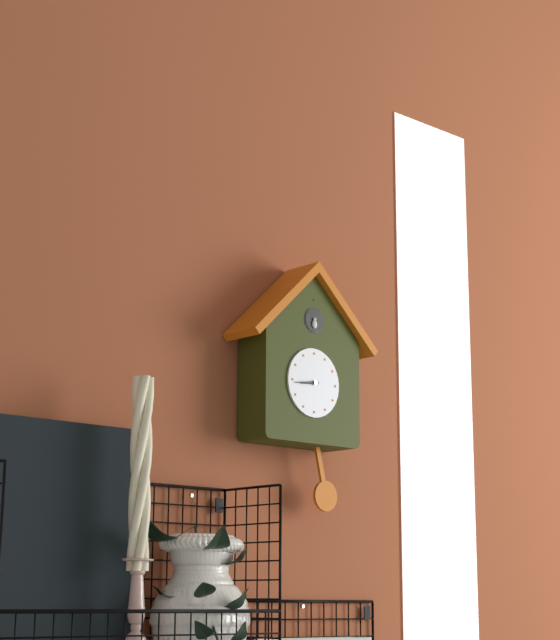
8 h 44 min
